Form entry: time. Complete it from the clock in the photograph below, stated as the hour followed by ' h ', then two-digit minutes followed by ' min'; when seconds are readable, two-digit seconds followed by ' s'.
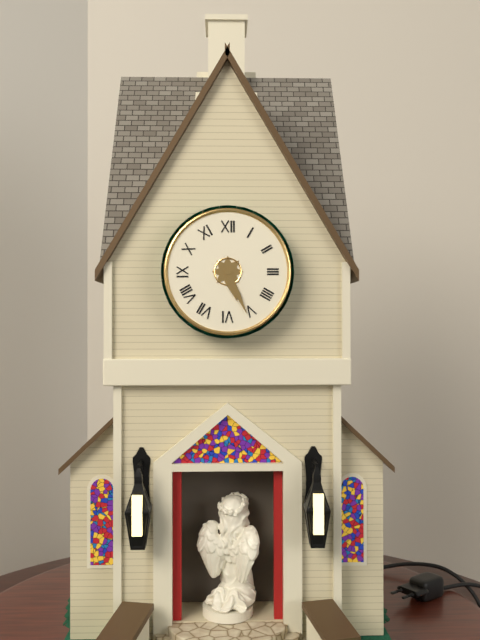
5 h 26 min
